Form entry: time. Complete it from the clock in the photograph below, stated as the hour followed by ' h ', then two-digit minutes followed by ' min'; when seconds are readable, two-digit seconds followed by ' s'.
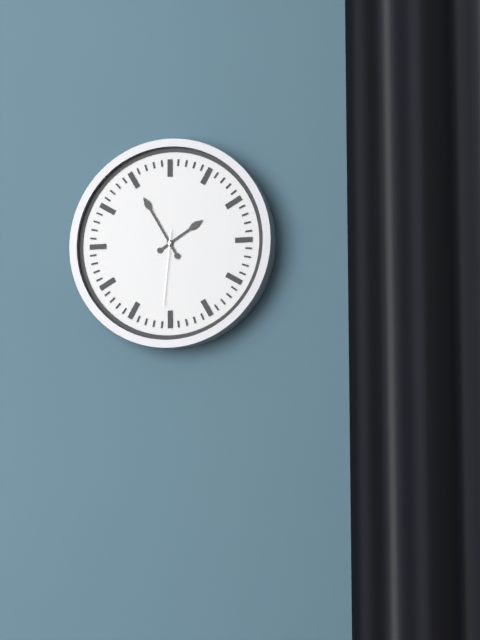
1 h 55 min 31 s
